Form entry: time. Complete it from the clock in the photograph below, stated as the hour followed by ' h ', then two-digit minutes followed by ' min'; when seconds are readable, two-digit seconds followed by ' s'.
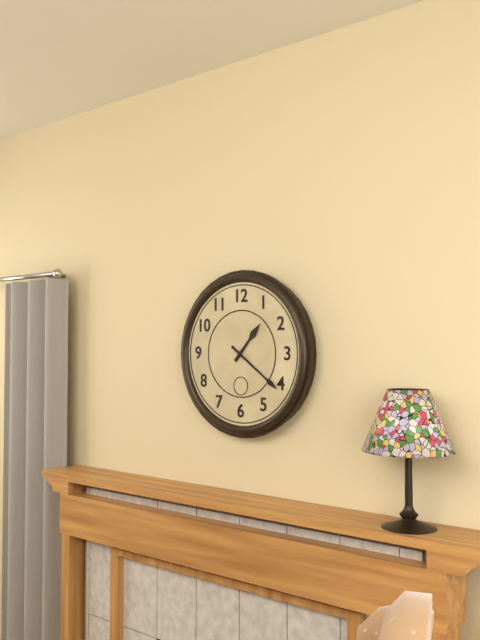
1 h 21 min
